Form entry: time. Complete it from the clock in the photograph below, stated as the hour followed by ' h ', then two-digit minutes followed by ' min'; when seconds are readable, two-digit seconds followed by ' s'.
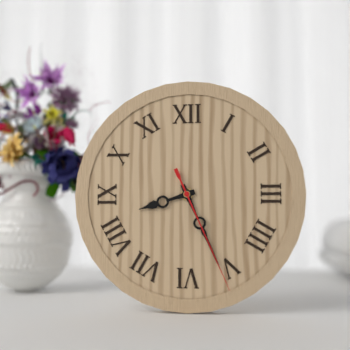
8 h 26 min 26 s
